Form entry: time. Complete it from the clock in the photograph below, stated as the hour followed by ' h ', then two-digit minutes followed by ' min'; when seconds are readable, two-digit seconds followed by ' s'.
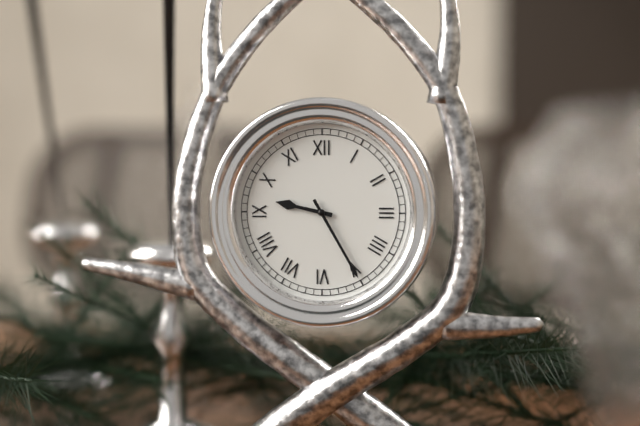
9 h 25 min
